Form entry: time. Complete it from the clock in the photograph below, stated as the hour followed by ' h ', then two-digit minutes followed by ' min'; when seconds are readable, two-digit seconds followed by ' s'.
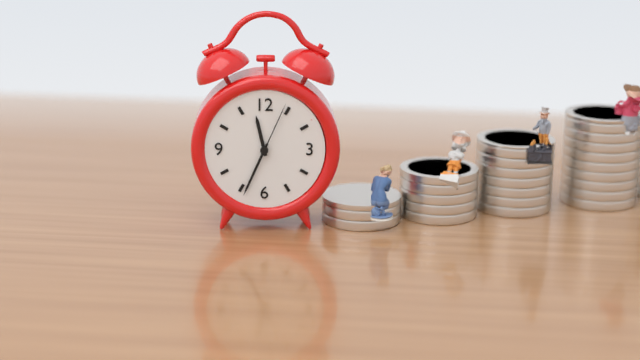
11 h 34 min 04 s
